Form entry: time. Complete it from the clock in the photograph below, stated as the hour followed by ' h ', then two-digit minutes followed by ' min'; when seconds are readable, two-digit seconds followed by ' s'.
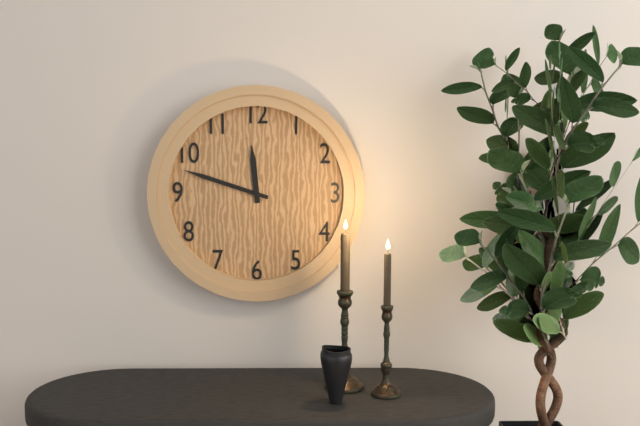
11 h 48 min
